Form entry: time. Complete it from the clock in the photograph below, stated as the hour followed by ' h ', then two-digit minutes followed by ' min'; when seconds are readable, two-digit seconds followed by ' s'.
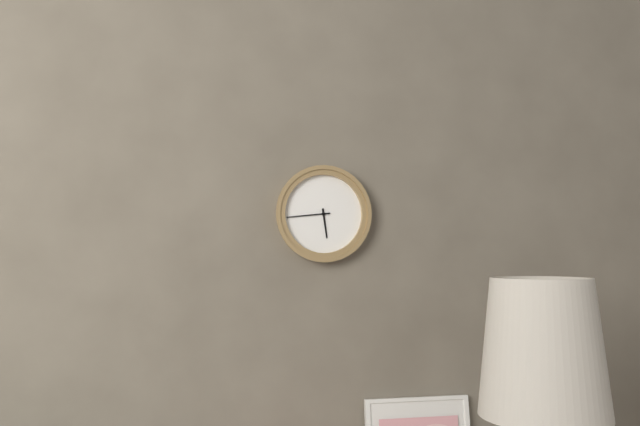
5 h 44 min
